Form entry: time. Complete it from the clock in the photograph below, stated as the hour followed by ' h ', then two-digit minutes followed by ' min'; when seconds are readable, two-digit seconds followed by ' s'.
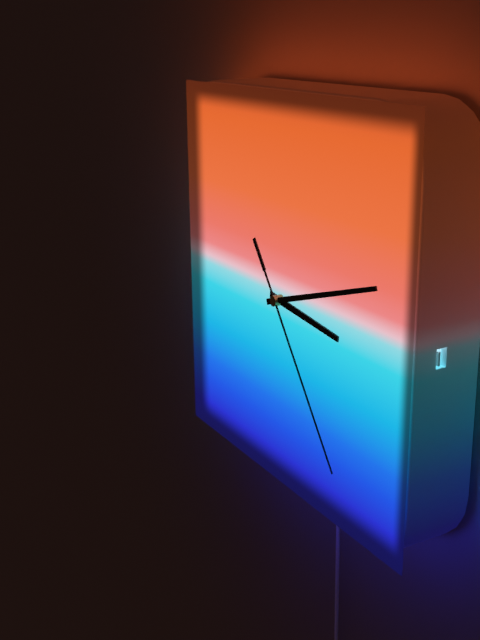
3 h 12 min 24 s
